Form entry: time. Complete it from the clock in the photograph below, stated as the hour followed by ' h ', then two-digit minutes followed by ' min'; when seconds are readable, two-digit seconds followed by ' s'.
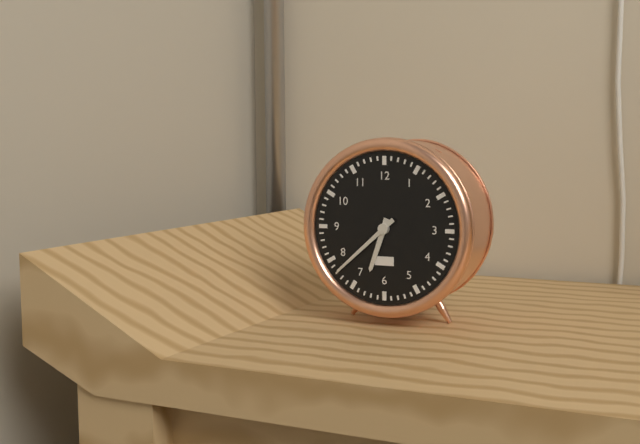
6 h 38 min
